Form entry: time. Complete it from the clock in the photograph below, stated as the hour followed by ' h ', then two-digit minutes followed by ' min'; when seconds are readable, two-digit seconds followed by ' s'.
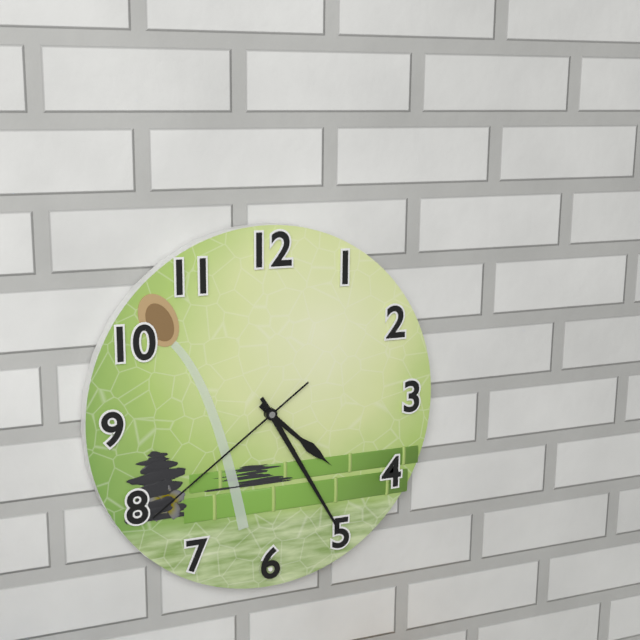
4 h 25 min 39 s
